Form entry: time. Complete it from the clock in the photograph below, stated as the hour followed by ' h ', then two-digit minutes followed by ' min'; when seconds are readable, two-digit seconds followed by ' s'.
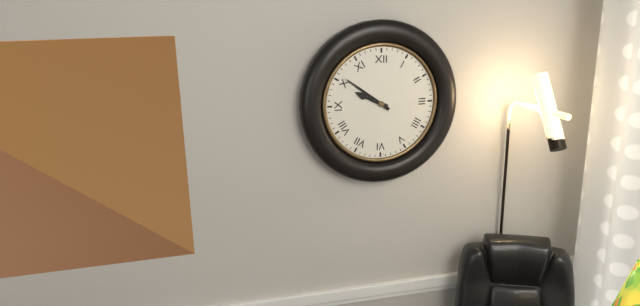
9 h 51 min
